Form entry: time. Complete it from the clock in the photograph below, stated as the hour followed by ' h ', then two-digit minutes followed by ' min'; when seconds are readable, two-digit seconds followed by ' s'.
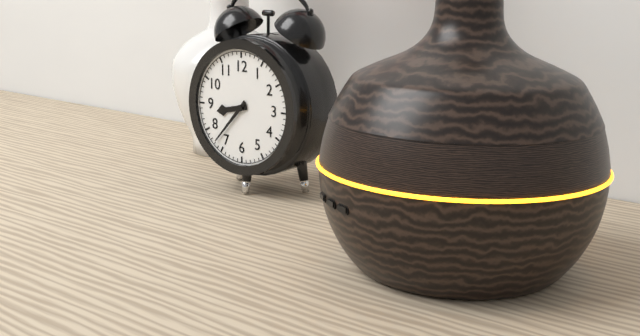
8 h 37 min
